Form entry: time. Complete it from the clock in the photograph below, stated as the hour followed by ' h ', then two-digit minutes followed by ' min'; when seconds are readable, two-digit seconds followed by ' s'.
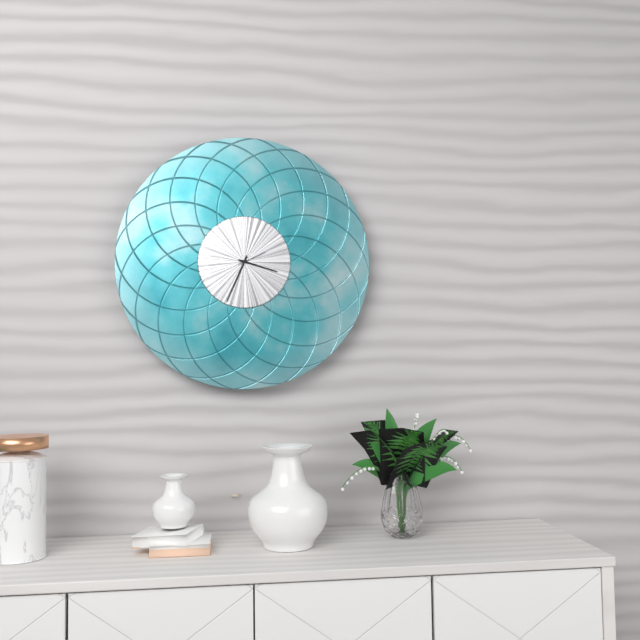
3 h 34 min
